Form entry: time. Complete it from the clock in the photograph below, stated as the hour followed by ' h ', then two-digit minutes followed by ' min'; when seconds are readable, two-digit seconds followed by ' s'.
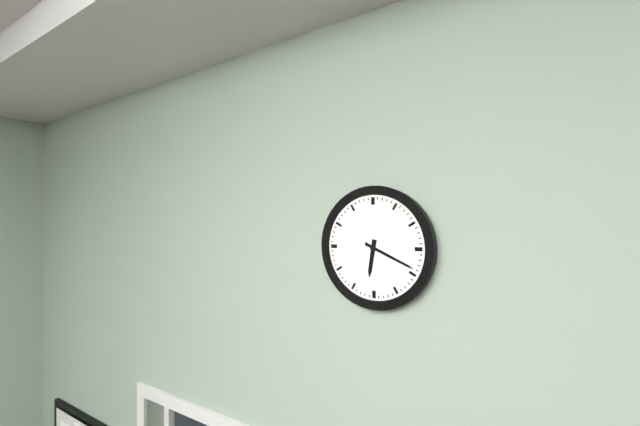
6 h 19 min
